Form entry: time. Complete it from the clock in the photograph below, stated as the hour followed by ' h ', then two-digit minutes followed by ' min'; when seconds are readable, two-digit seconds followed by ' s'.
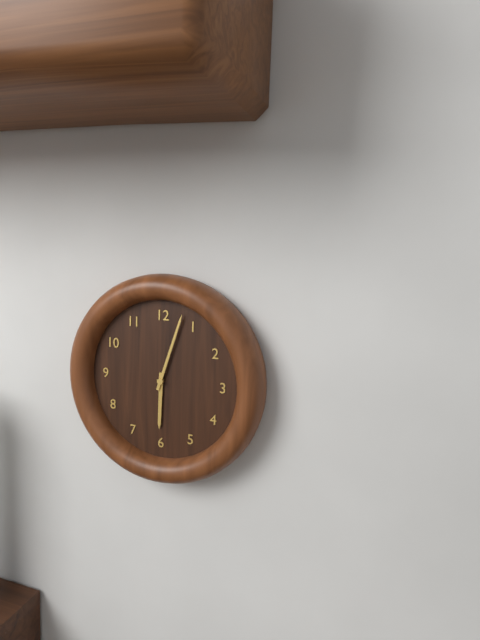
6 h 03 min
